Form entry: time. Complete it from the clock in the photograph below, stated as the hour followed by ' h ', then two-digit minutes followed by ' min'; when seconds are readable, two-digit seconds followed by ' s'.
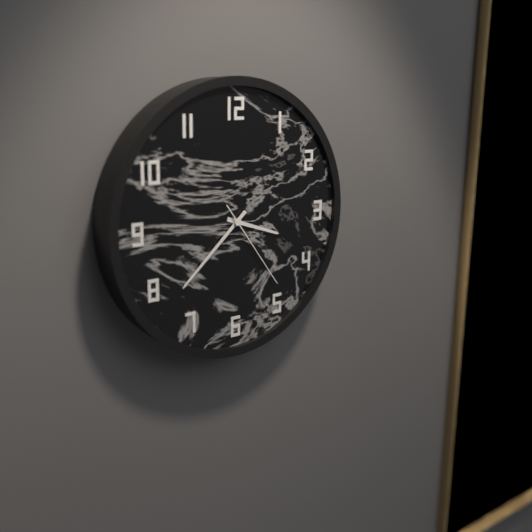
3 h 38 min 24 s
